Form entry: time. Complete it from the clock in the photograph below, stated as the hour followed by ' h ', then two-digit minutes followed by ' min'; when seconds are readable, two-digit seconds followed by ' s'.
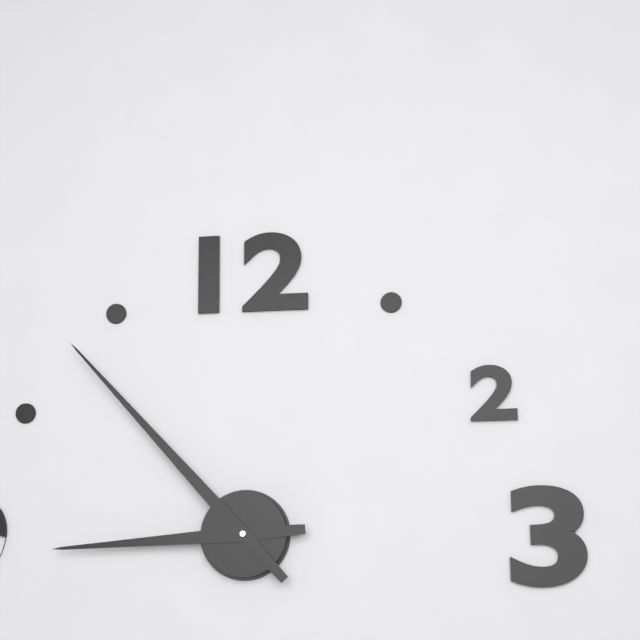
8 h 53 min
